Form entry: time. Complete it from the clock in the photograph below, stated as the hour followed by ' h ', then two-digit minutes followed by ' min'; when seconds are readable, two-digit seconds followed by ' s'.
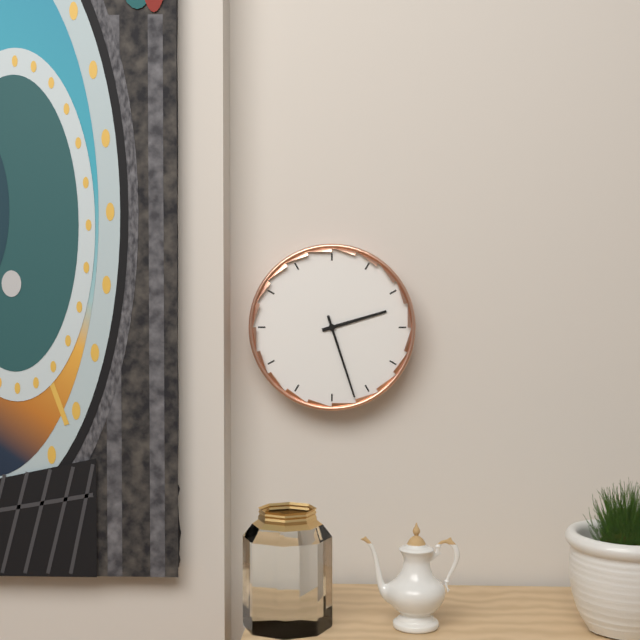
2 h 27 min
